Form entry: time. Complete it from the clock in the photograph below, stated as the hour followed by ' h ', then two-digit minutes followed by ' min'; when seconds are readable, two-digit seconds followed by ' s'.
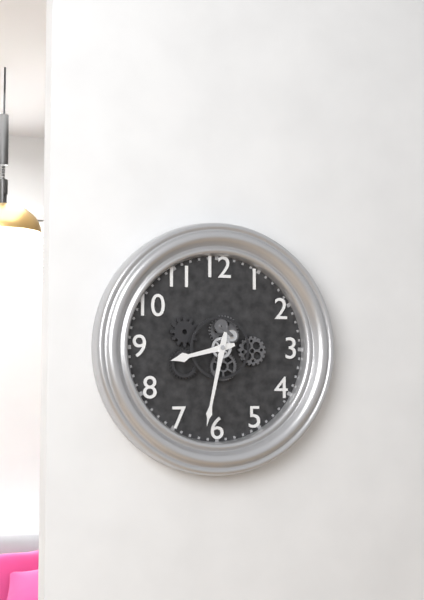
8 h 32 min
